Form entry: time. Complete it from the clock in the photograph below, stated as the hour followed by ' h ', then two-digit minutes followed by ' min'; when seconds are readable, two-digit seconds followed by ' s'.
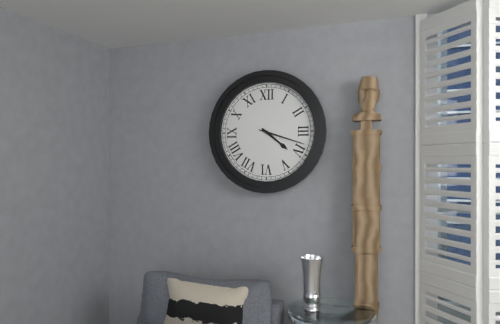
4 h 18 min
